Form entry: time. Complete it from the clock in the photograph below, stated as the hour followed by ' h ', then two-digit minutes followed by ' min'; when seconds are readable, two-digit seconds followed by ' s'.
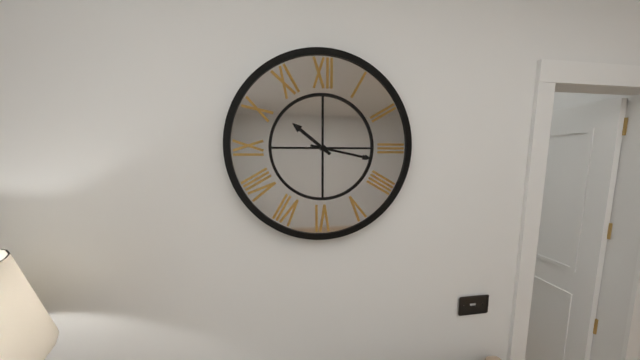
10 h 17 min
